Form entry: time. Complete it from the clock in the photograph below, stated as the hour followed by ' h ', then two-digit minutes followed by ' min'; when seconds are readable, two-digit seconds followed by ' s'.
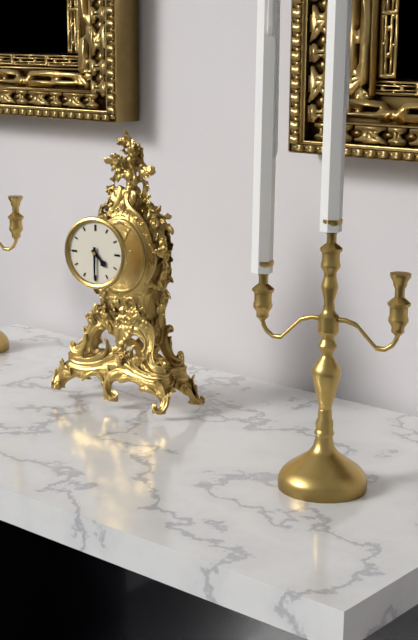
4 h 30 min
